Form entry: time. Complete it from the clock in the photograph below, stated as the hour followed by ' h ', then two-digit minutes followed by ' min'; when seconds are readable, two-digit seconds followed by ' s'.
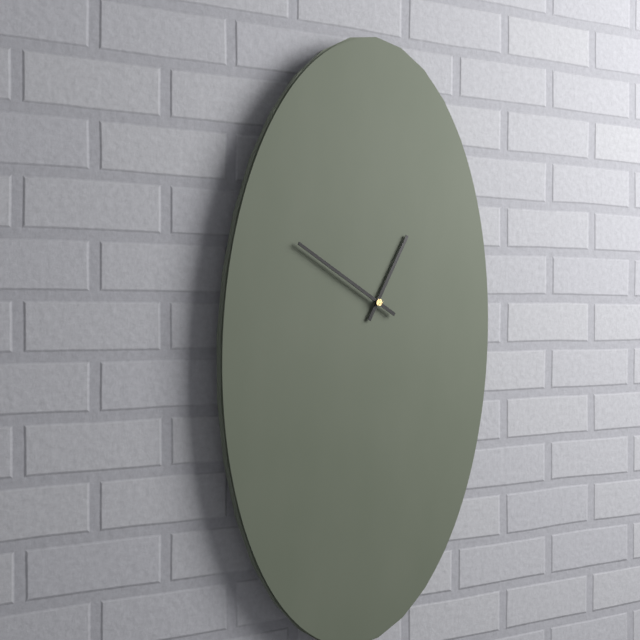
12 h 50 min
